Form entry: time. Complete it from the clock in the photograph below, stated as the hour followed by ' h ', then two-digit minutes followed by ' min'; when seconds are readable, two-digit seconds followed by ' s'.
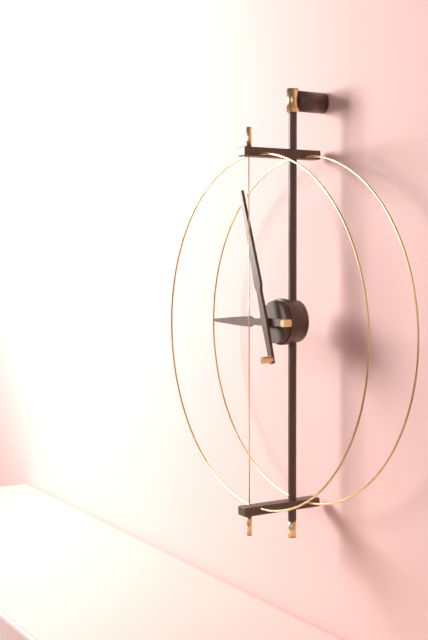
8 h 57 min
